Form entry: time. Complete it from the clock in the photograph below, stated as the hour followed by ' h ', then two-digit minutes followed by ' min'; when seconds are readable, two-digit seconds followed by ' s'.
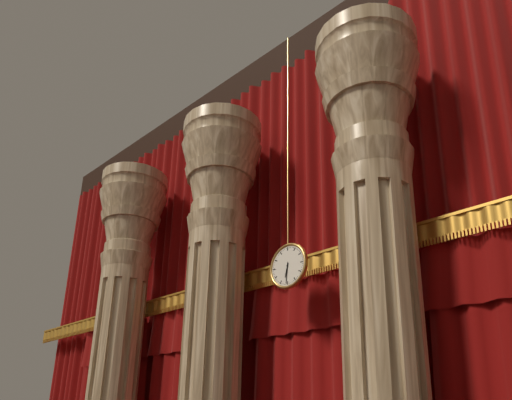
6 h 31 min
